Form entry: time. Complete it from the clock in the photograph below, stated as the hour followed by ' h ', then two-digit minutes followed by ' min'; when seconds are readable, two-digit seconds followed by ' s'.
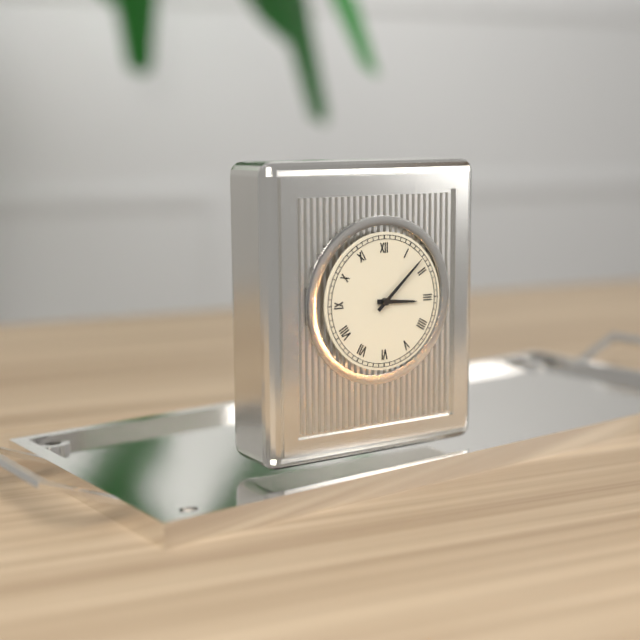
3 h 08 min
